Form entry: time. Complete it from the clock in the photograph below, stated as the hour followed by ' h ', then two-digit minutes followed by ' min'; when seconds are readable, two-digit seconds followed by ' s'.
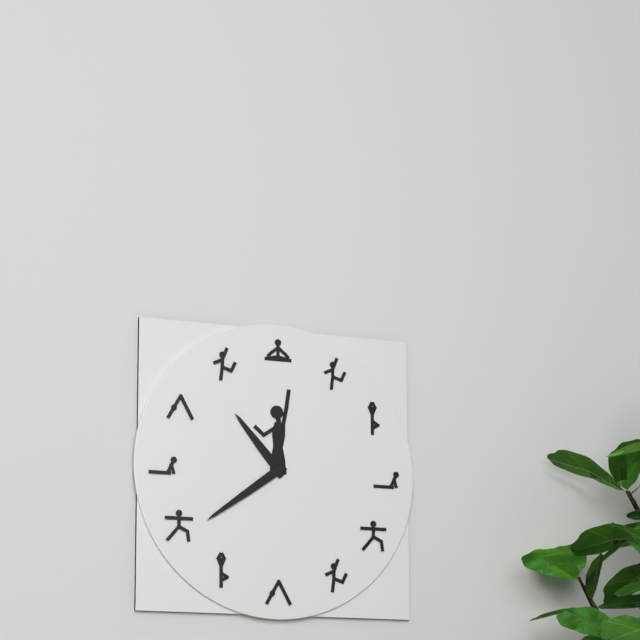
10 h 39 min
